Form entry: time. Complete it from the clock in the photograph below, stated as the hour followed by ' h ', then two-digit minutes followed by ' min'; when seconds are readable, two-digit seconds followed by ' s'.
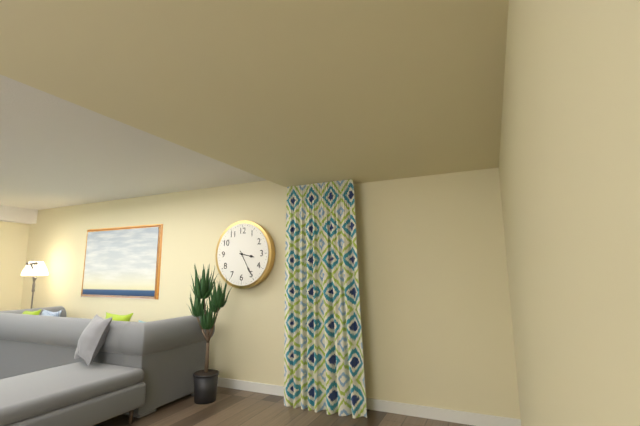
3 h 25 min
